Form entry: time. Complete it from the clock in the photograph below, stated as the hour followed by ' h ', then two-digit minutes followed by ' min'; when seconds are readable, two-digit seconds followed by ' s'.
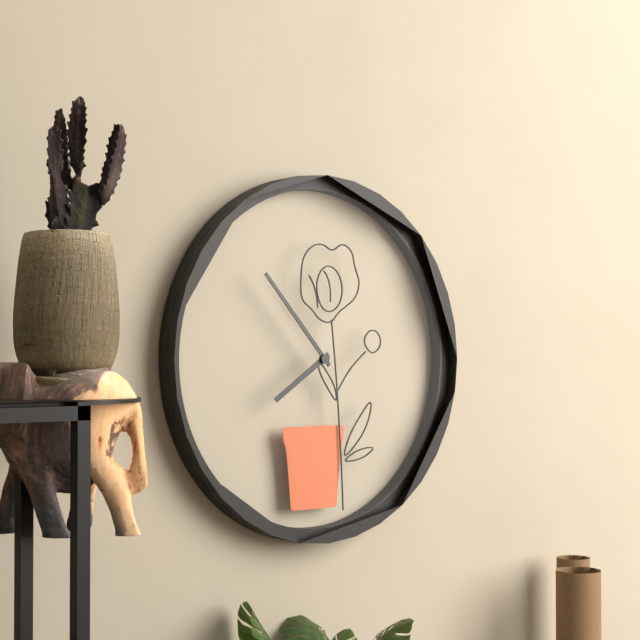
7 h 53 min
